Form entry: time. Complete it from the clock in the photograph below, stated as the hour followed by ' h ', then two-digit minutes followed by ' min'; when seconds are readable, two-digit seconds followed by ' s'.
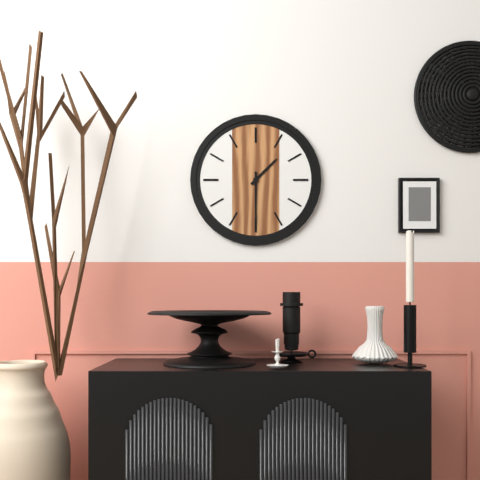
1 h 30 min
